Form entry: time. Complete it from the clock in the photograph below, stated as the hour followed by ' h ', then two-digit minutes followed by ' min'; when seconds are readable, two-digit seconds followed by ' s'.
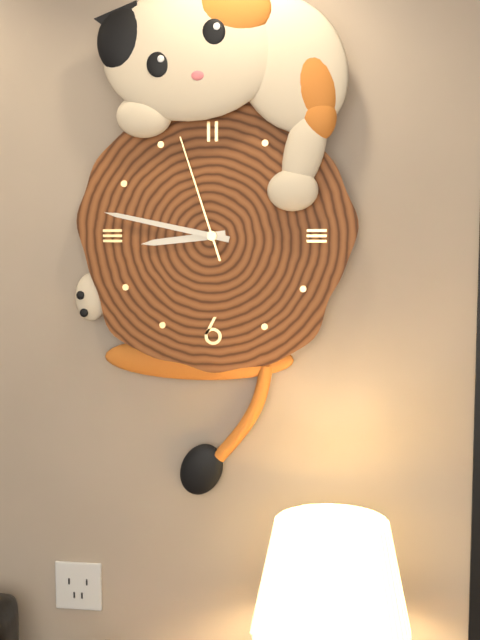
8 h 47 min 57 s
